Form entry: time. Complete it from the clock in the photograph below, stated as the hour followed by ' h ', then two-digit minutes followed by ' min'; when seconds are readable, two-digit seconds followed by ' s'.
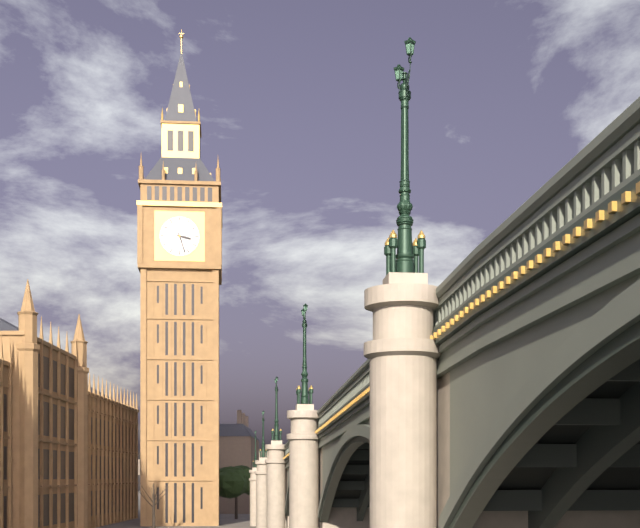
3 h 27 min
